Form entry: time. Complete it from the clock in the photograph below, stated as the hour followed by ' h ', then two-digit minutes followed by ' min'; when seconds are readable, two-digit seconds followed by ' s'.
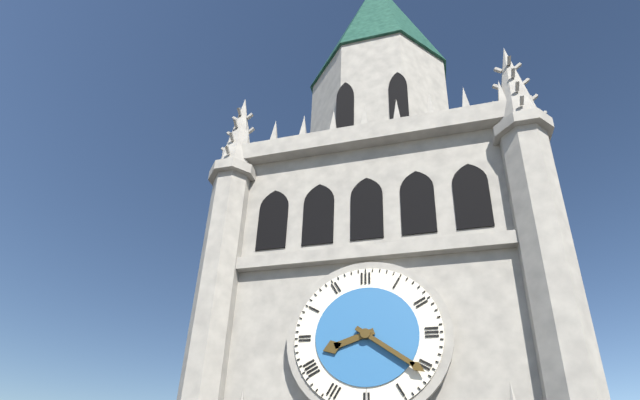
8 h 21 min
